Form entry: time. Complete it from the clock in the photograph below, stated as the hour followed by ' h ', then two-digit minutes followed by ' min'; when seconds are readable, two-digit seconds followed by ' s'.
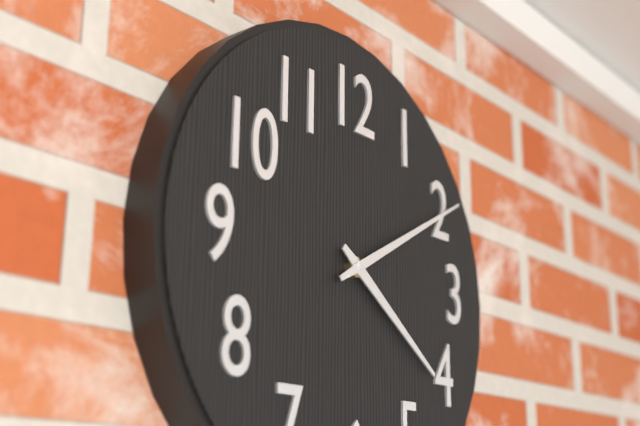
4 h 10 min
